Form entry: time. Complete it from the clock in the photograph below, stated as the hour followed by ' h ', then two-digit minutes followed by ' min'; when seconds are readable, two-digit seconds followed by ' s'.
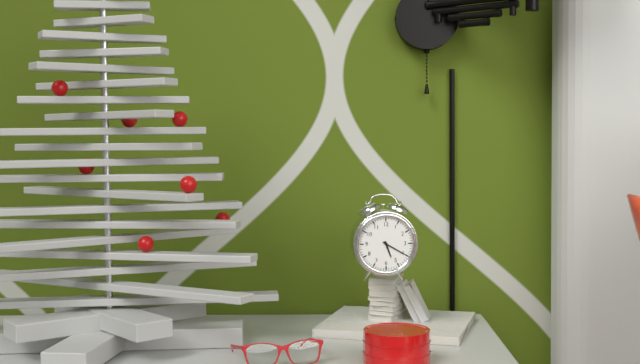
5 h 20 min
